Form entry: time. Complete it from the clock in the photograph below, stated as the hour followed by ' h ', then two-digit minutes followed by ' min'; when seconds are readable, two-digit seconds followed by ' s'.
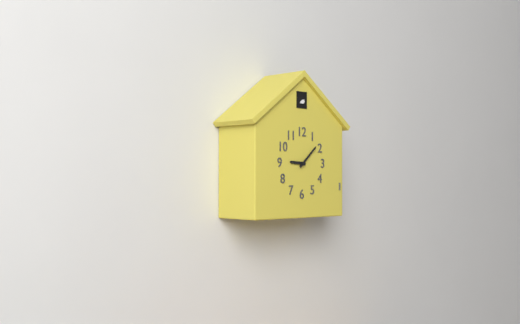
9 h 08 min
